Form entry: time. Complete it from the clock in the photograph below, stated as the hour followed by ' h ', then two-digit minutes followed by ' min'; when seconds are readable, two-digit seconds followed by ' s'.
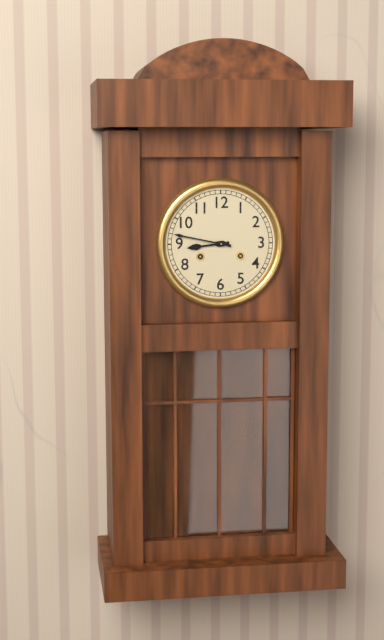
8 h 47 min
